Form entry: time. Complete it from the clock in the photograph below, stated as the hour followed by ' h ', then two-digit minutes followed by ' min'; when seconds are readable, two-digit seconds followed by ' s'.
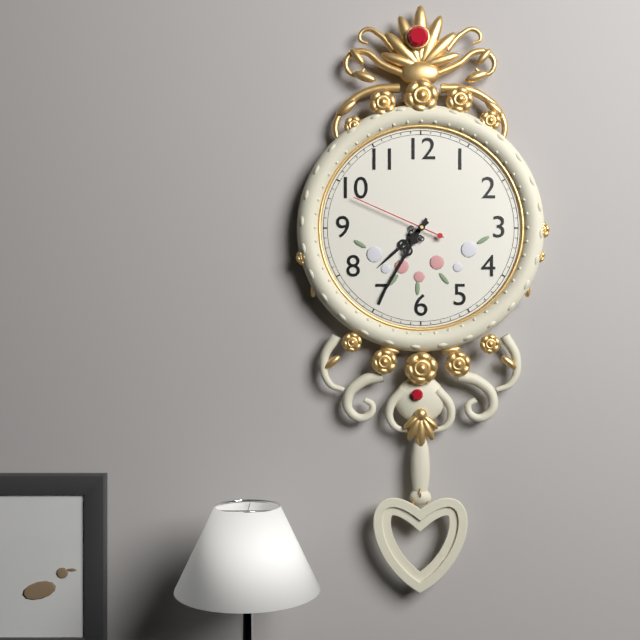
7 h 35 min 49 s
